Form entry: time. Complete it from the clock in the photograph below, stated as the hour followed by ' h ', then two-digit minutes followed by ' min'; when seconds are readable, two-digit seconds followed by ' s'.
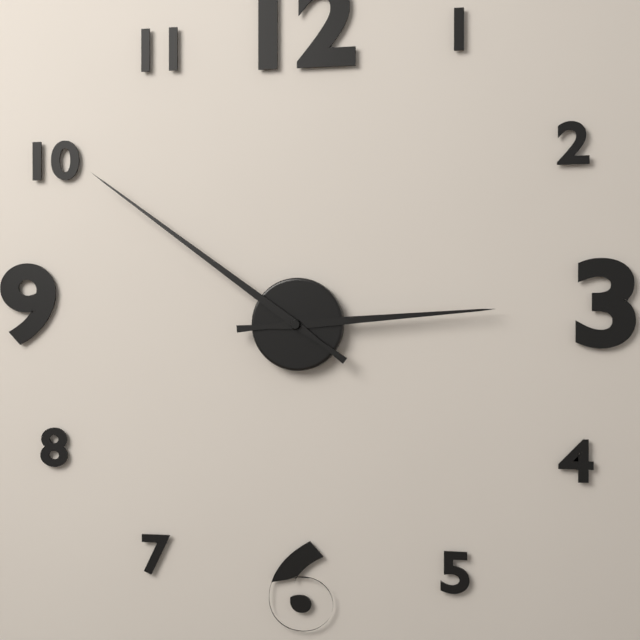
2 h 51 min
